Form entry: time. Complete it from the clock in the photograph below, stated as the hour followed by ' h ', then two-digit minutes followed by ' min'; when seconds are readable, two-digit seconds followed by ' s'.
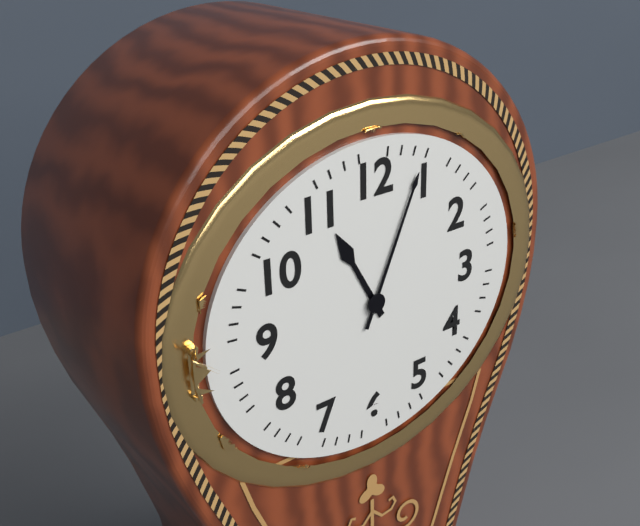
11 h 04 min
